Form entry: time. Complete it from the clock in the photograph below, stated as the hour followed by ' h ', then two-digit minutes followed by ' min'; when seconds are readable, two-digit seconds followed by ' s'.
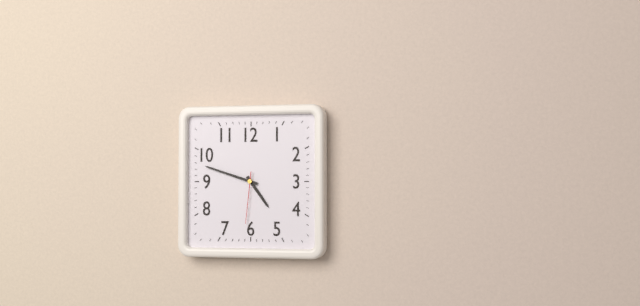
4 h 48 min 31 s
